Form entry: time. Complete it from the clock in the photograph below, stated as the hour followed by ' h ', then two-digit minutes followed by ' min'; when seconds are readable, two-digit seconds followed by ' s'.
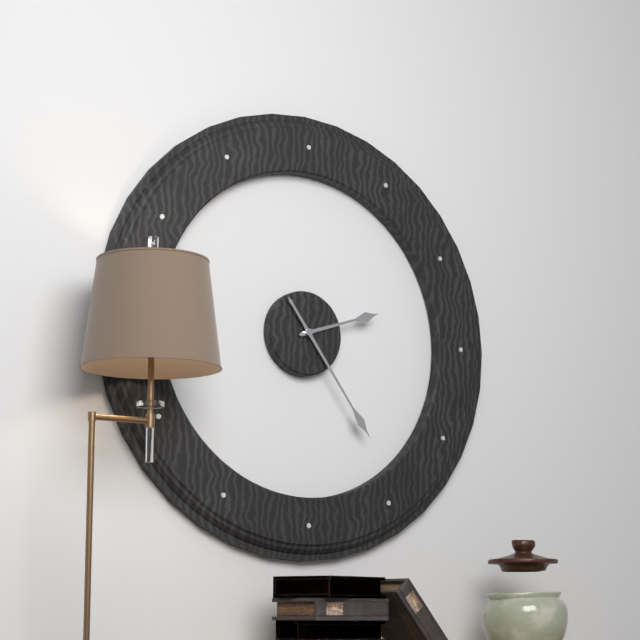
2 h 24 min
